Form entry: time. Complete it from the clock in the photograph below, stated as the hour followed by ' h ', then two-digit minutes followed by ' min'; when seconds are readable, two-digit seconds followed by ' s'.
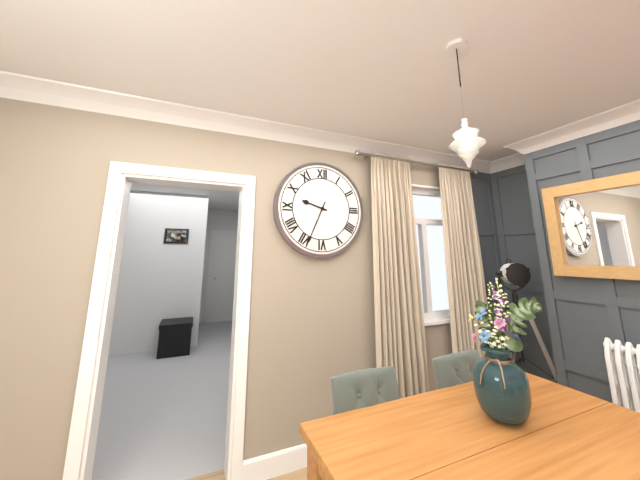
9 h 34 min
